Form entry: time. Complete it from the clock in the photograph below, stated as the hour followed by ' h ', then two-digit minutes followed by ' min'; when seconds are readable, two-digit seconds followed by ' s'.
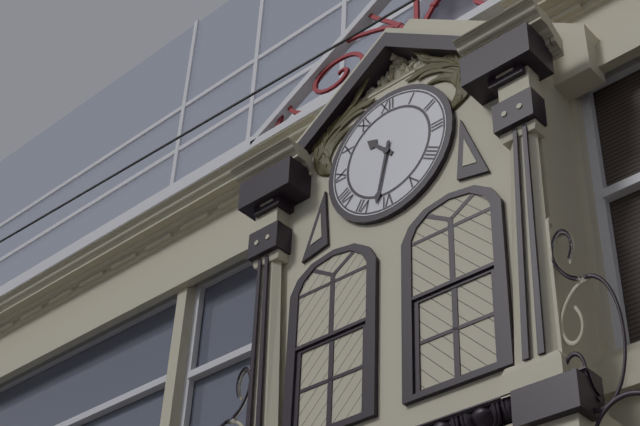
10 h 32 min
